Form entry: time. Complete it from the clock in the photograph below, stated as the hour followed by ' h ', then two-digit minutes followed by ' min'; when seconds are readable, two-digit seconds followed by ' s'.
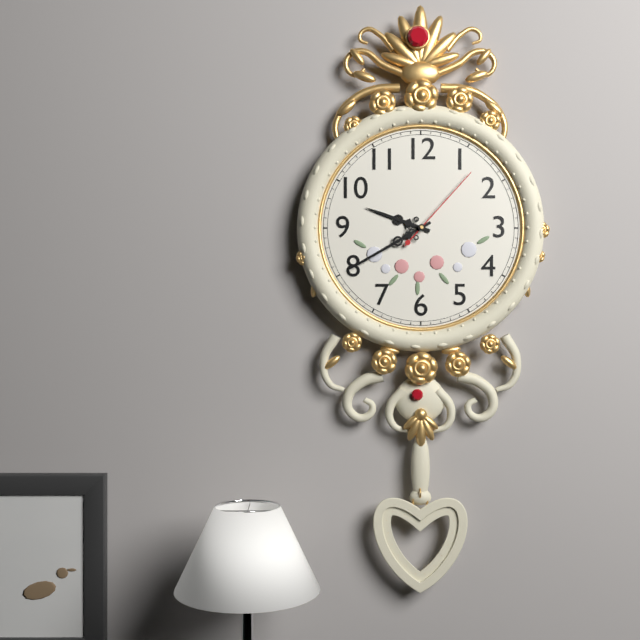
9 h 40 min 07 s
